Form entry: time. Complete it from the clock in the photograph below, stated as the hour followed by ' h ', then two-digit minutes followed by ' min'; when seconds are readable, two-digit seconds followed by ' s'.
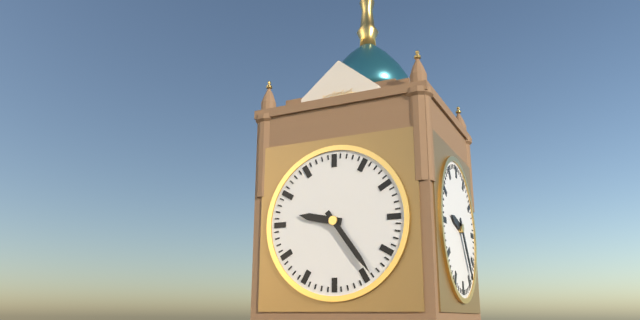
9 h 24 min
